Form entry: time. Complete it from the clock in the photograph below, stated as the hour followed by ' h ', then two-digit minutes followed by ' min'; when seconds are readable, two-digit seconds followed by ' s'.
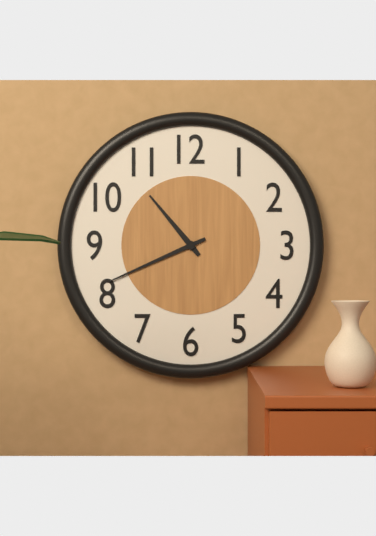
10 h 41 min
